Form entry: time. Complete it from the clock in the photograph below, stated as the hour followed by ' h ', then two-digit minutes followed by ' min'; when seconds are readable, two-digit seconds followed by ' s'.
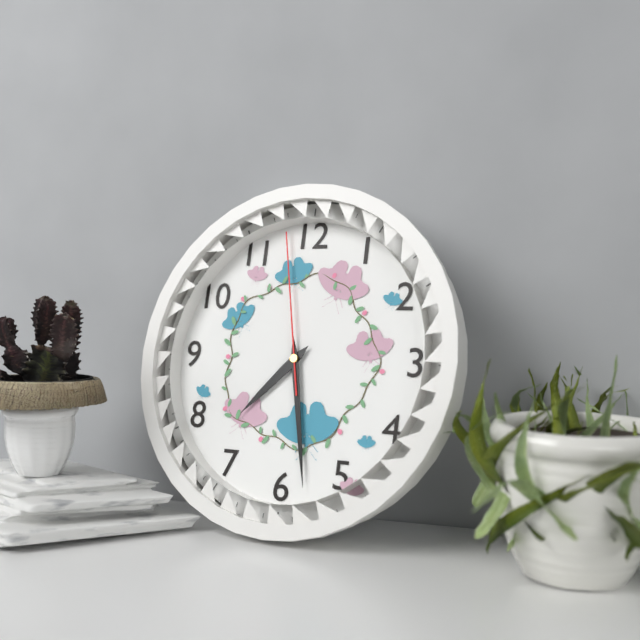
7 h 28 min 58 s
